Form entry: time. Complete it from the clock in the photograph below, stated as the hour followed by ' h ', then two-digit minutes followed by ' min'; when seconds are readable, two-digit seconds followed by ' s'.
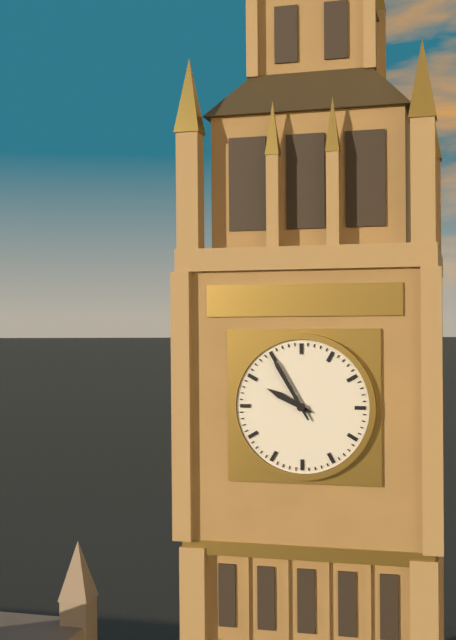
9 h 55 min
